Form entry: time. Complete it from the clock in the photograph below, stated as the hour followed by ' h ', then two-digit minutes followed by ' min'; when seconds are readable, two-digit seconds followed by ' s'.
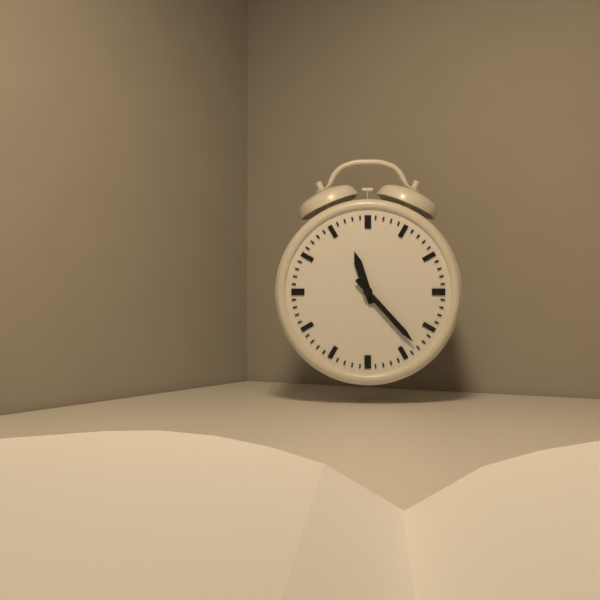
11 h 23 min
